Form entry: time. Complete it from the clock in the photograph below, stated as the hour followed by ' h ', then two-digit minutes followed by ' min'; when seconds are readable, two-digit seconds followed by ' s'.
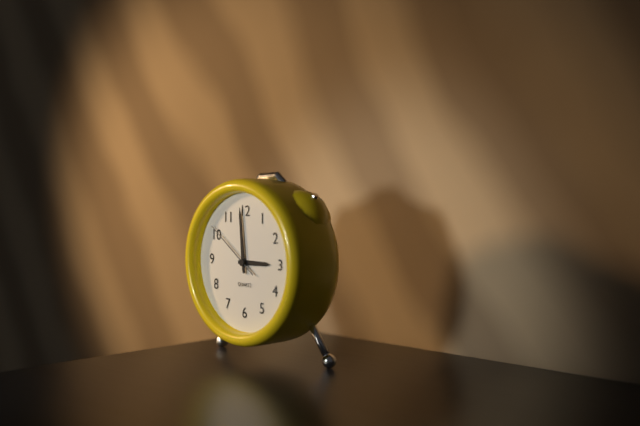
2 h 59 min 51 s
